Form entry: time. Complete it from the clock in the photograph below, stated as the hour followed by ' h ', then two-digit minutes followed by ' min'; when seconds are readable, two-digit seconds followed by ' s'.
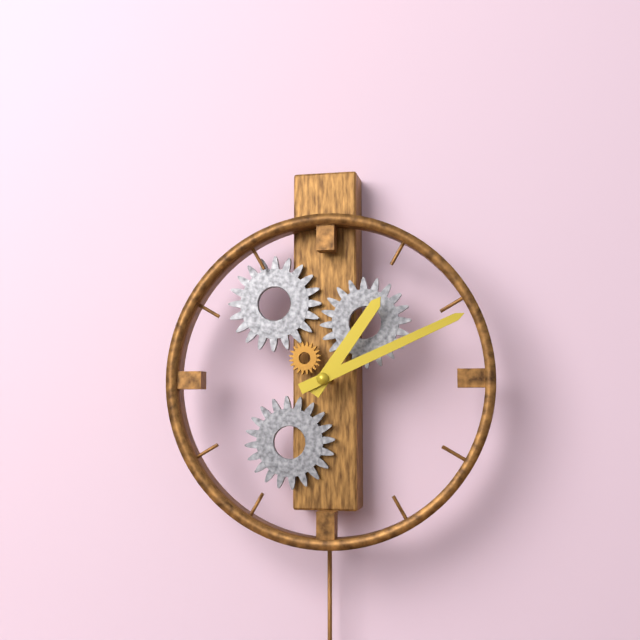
1 h 11 min
